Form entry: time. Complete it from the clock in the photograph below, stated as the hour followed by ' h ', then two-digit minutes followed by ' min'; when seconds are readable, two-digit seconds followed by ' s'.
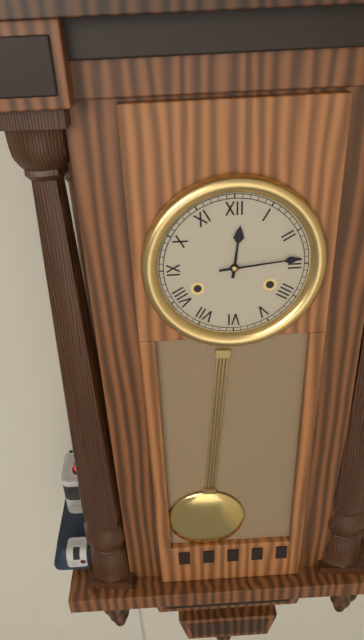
12 h 14 min
